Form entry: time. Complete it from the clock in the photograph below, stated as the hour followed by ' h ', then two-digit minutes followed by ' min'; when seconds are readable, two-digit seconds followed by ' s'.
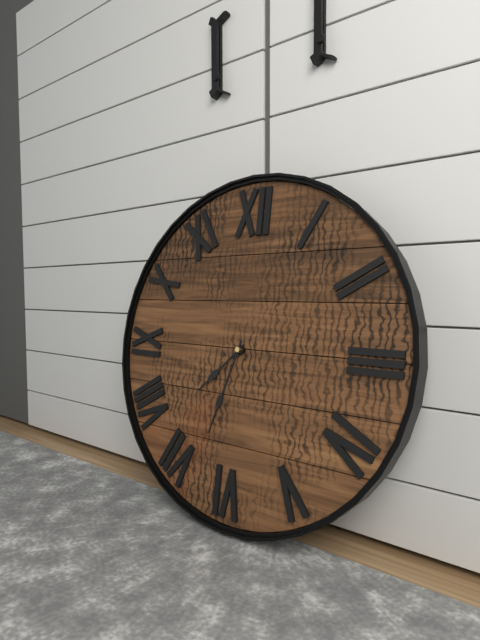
7 h 33 min
